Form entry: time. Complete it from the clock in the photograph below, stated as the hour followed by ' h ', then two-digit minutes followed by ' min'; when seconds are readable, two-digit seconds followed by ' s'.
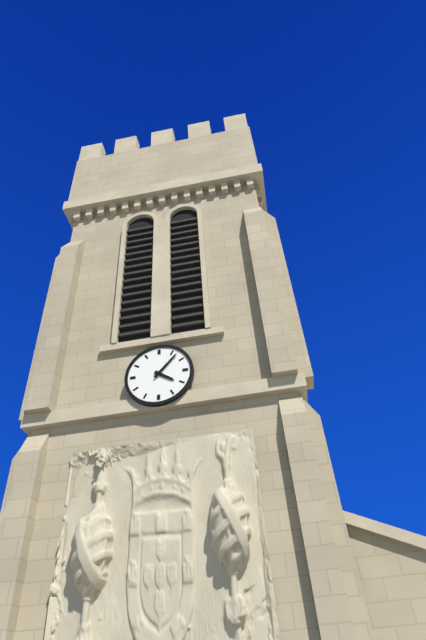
4 h 07 min
